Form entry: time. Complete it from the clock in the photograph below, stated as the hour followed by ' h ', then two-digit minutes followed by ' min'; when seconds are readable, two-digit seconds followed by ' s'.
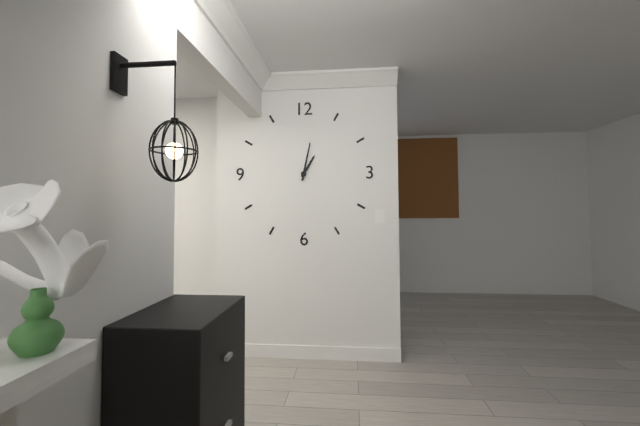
1 h 02 min
